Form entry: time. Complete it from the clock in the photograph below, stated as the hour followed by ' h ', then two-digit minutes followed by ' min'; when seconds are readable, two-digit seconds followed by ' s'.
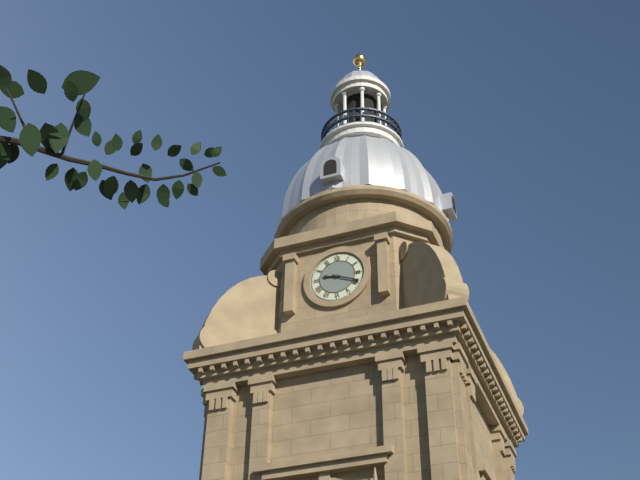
9 h 19 min
